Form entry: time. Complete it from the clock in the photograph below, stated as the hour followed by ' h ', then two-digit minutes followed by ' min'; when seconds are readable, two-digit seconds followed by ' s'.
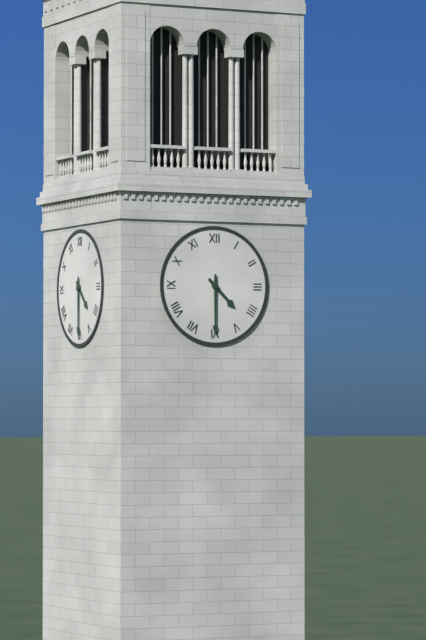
4 h 30 min
